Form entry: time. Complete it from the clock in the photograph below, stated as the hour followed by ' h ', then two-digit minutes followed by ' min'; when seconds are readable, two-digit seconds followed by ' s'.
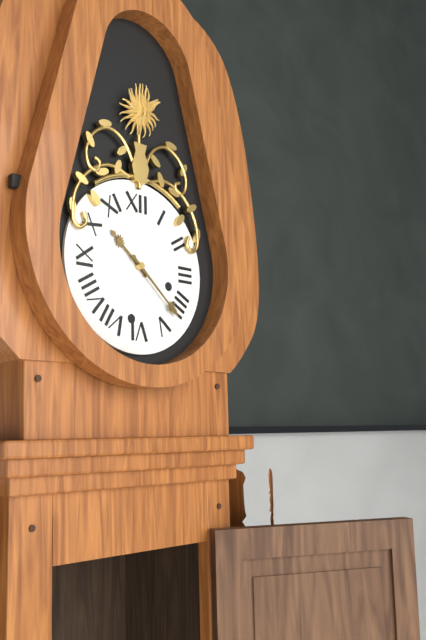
10 h 22 min
